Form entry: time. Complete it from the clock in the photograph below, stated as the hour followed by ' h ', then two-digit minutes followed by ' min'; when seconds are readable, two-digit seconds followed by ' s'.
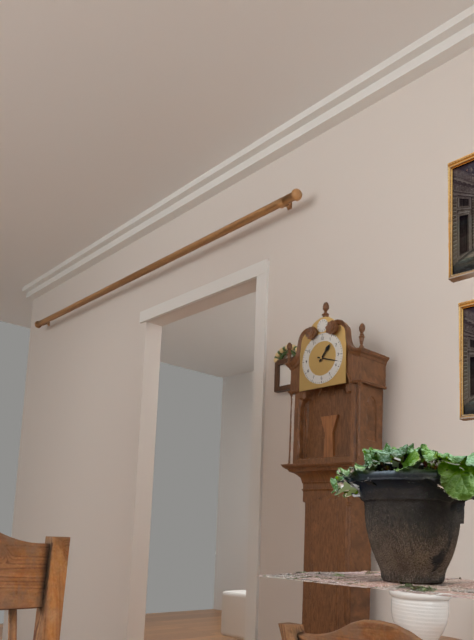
1 h 18 min
